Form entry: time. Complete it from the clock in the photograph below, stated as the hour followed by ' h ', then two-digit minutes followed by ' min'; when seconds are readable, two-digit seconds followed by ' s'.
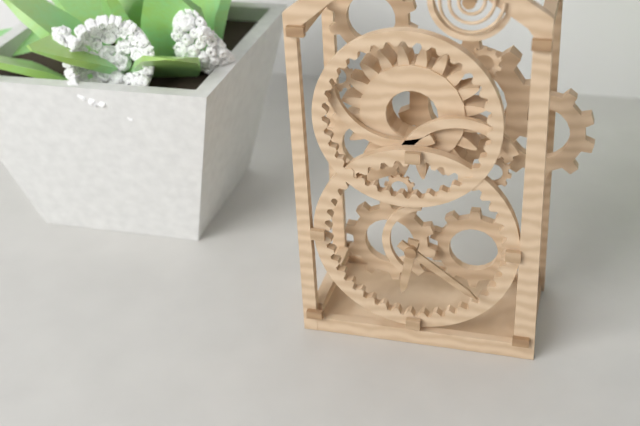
6 h 21 min
